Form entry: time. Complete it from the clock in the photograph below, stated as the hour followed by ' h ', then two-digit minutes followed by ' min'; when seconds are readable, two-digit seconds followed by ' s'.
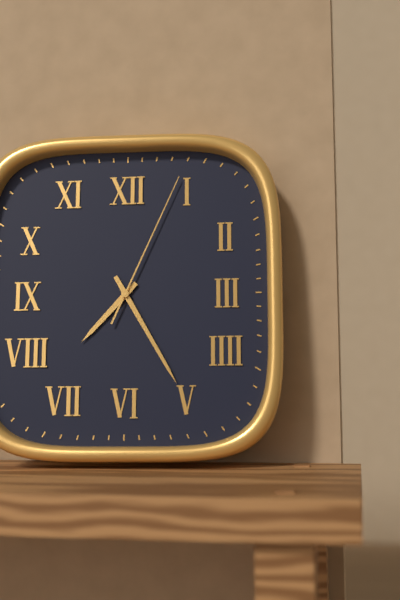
7 h 25 min 04 s
